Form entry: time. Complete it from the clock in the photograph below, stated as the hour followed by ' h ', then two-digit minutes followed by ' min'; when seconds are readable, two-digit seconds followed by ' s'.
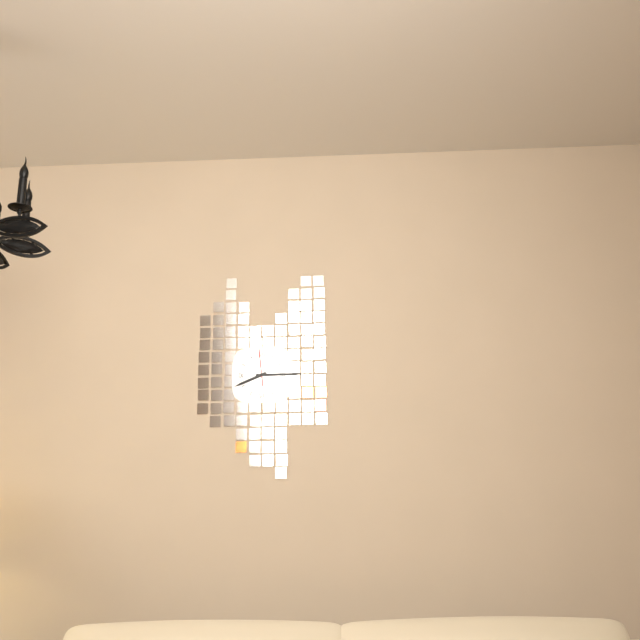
8 h 15 min
